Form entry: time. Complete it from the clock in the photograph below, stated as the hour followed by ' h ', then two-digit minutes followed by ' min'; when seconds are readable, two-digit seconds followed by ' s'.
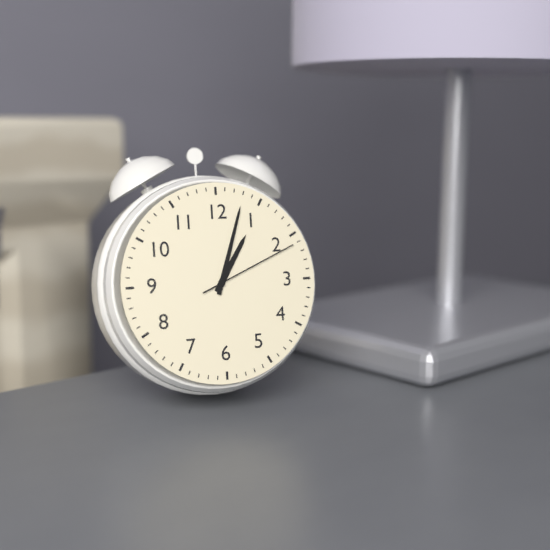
1 h 03 min 11 s
